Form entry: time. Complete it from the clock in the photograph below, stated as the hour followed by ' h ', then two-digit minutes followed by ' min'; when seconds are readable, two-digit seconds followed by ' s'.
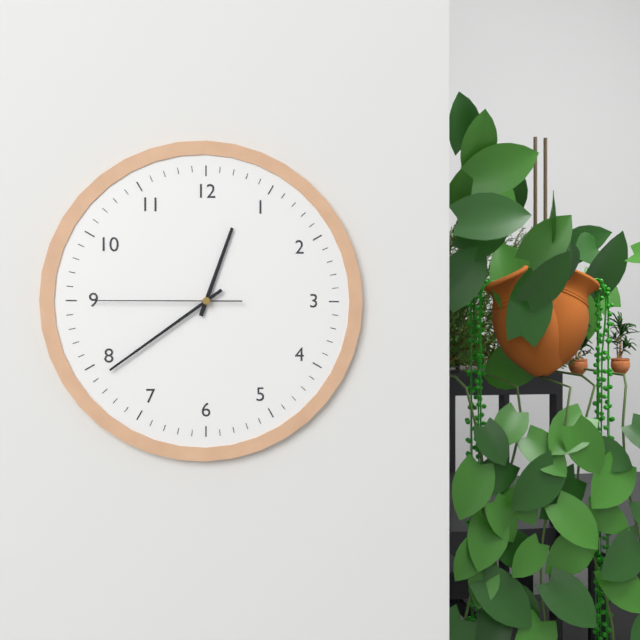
12 h 39 min 45 s
